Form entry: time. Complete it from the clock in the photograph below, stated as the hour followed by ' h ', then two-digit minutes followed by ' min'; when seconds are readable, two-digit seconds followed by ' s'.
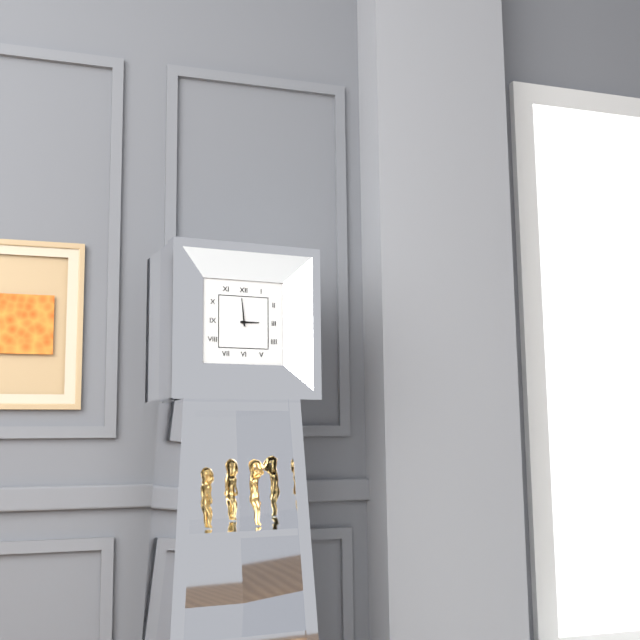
2 h 59 min
